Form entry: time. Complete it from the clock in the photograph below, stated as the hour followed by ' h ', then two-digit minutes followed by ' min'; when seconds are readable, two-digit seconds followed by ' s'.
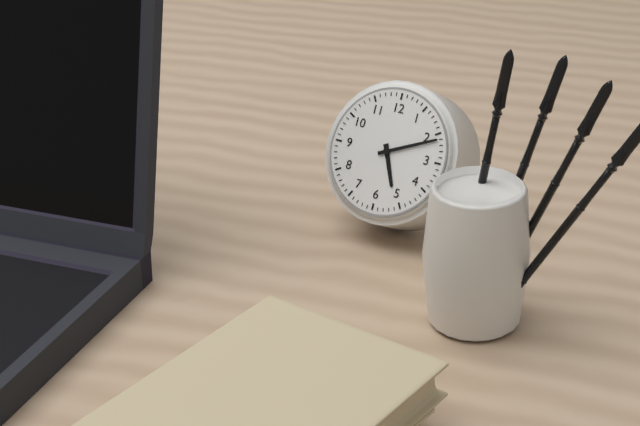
5 h 11 min
